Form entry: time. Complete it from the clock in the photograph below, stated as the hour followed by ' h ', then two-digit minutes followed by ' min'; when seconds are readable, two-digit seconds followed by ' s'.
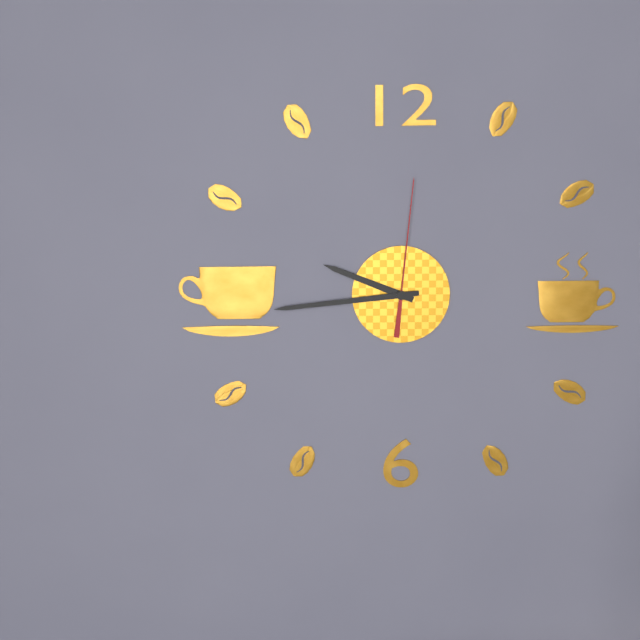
9 h 44 min 01 s
